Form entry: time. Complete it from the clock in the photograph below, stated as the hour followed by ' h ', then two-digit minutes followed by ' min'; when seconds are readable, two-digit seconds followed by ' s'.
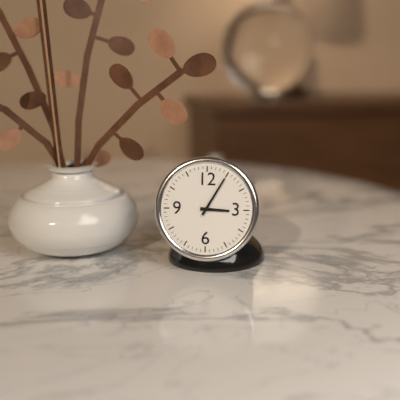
3 h 05 min
